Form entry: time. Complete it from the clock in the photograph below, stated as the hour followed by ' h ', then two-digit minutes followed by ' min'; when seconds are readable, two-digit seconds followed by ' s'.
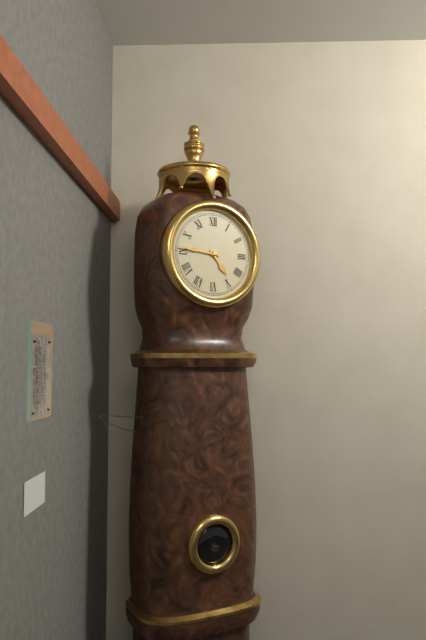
4 h 46 min
